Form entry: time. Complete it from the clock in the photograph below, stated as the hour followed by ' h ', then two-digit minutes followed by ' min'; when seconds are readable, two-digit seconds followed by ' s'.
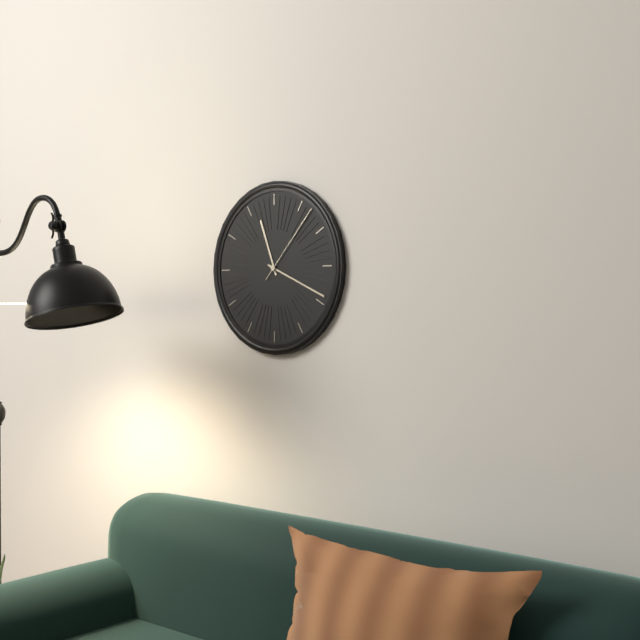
11 h 19 min 07 s
